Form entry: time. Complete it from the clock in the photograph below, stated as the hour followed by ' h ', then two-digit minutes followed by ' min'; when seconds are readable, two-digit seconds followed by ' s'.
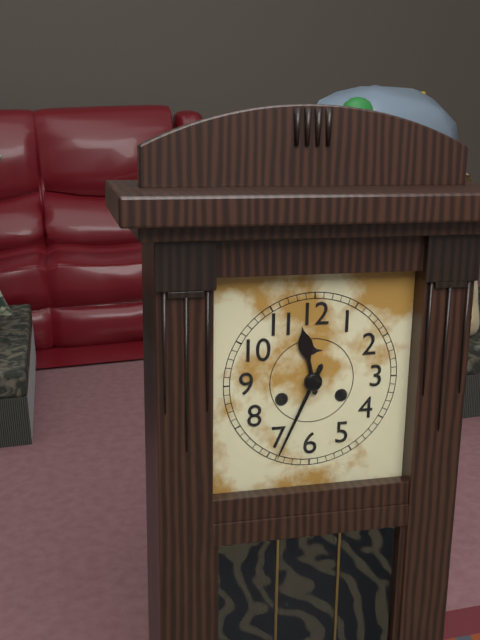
11 h 34 min
